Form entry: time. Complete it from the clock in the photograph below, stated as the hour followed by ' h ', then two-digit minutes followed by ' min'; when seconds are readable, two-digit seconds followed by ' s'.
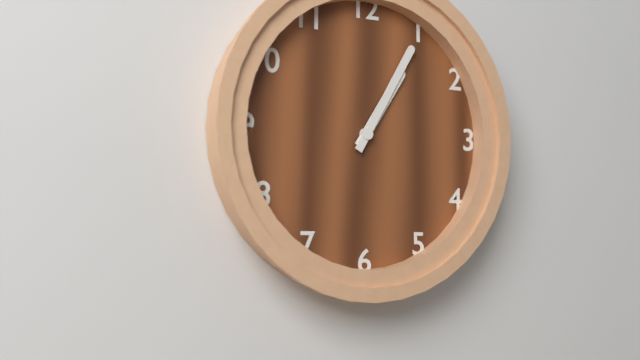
1 h 05 min
